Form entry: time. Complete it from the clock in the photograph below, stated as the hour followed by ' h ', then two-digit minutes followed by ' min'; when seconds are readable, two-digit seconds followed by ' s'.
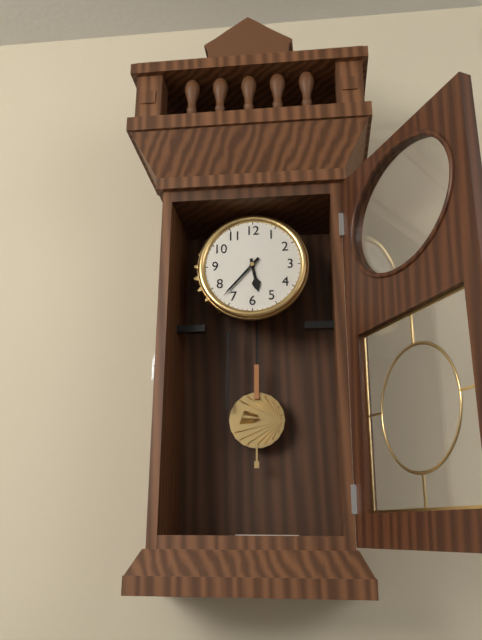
5 h 37 min
